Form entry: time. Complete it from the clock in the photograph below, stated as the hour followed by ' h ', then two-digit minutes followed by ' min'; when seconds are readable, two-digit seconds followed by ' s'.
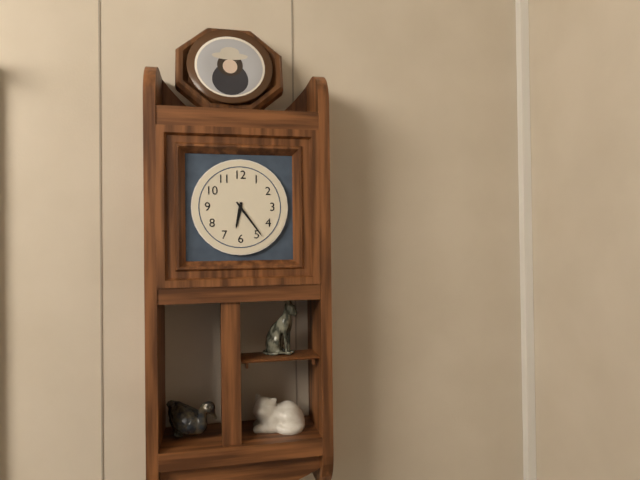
6 h 24 min
